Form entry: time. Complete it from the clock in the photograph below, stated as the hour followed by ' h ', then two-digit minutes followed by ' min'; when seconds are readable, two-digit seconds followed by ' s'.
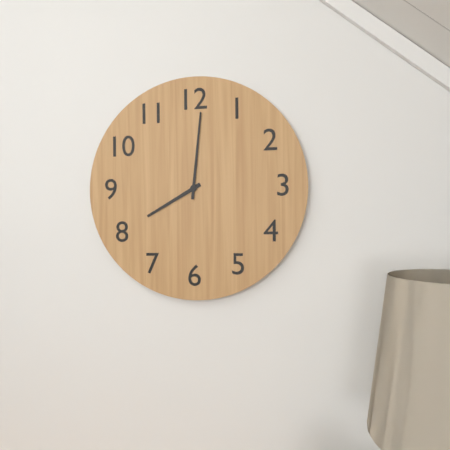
8 h 01 min
